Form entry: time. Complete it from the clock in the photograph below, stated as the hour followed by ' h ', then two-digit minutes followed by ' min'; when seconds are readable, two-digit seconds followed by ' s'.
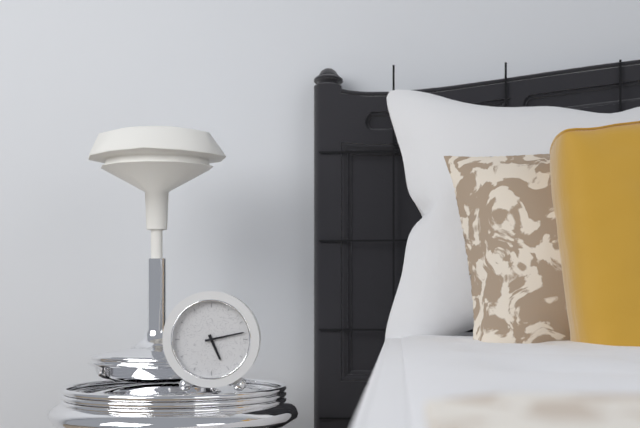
5 h 13 min
